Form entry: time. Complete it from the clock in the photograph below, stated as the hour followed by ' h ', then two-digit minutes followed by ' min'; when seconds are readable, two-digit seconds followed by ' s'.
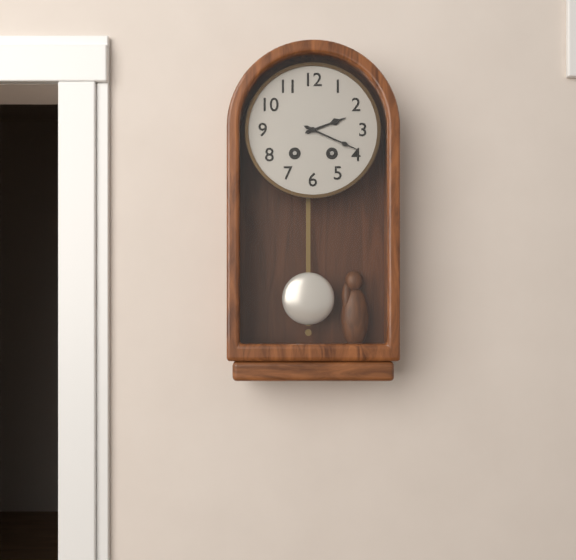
2 h 19 min
